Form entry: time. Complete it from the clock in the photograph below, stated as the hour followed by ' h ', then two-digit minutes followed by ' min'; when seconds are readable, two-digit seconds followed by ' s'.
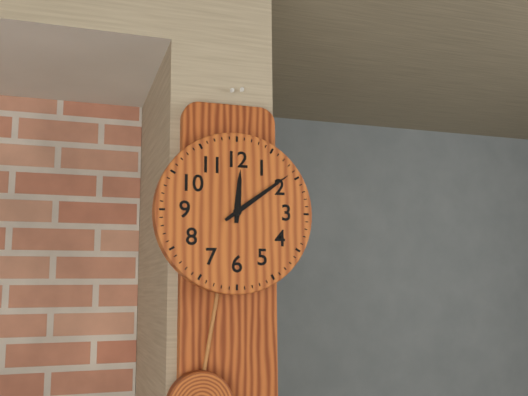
12 h 09 min
